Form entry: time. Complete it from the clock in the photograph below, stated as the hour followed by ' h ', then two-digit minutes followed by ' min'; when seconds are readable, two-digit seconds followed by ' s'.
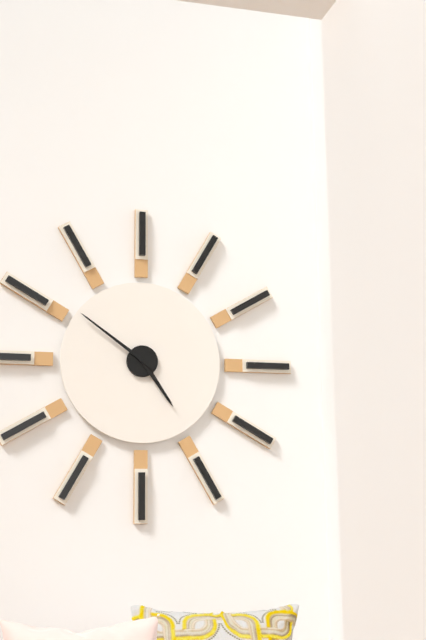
4 h 51 min
